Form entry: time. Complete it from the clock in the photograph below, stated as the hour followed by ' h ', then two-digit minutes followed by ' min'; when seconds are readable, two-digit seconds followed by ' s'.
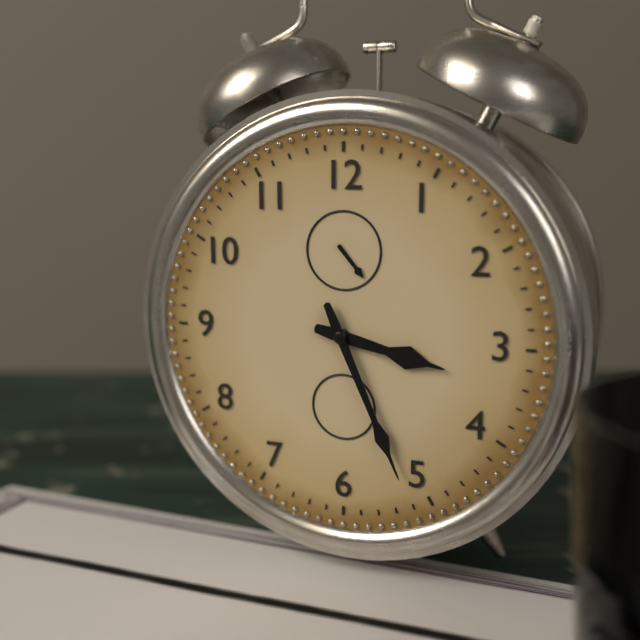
3 h 26 min
